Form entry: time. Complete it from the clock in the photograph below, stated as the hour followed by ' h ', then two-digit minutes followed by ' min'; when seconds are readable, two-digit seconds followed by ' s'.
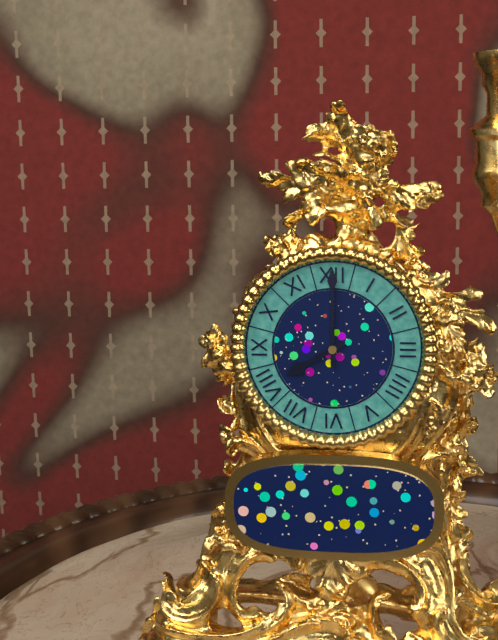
8 h 00 min
